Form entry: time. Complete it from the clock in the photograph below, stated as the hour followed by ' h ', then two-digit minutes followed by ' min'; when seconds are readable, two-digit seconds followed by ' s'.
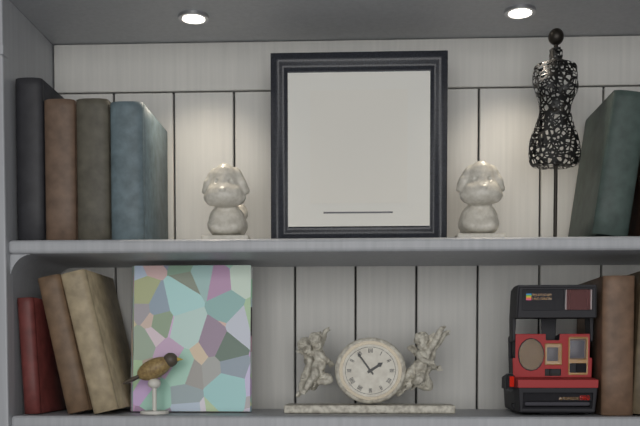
1 h 54 min
